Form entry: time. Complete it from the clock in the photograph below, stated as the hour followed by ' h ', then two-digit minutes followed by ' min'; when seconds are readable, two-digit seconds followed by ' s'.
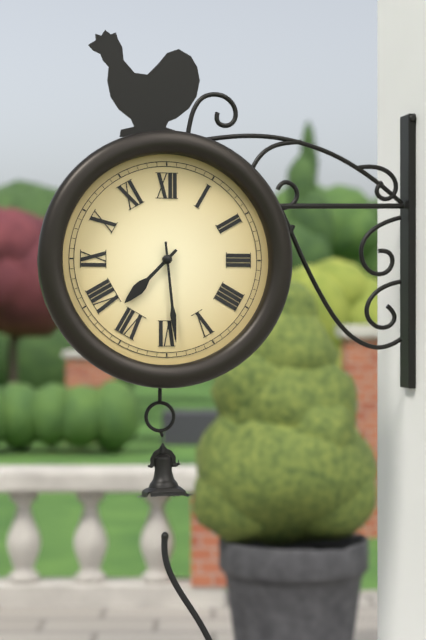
7 h 29 min
